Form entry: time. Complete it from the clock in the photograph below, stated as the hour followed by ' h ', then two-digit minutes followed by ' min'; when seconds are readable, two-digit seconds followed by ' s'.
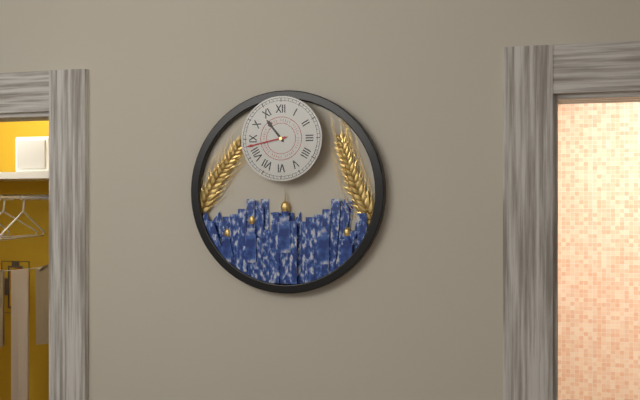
10 h 43 min
